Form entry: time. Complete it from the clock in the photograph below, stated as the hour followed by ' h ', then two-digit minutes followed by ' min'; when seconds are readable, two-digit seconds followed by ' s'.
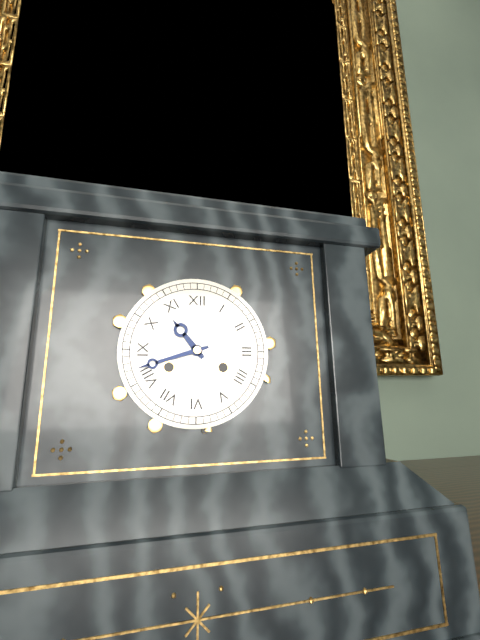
10 h 42 min
